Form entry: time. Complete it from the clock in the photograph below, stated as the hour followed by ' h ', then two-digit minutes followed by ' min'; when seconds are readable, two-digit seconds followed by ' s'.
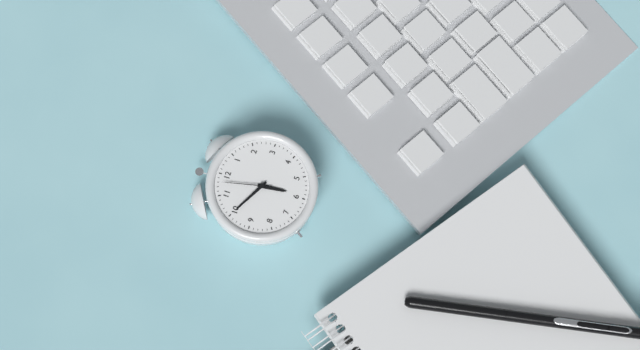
5 h 50 min 58 s
